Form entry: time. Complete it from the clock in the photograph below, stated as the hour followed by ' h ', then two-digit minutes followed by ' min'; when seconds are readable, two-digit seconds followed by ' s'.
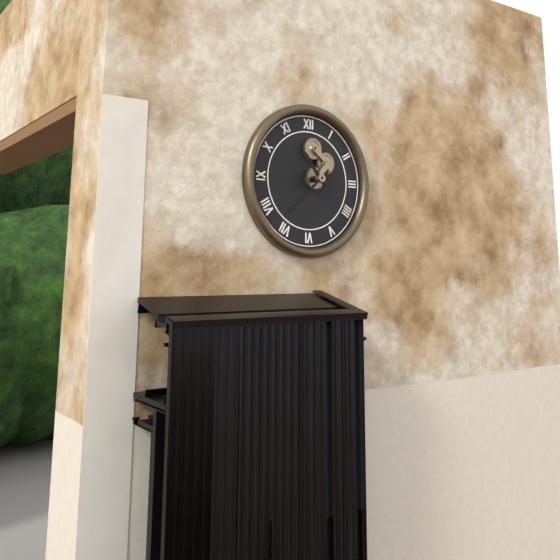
10 h 38 min
